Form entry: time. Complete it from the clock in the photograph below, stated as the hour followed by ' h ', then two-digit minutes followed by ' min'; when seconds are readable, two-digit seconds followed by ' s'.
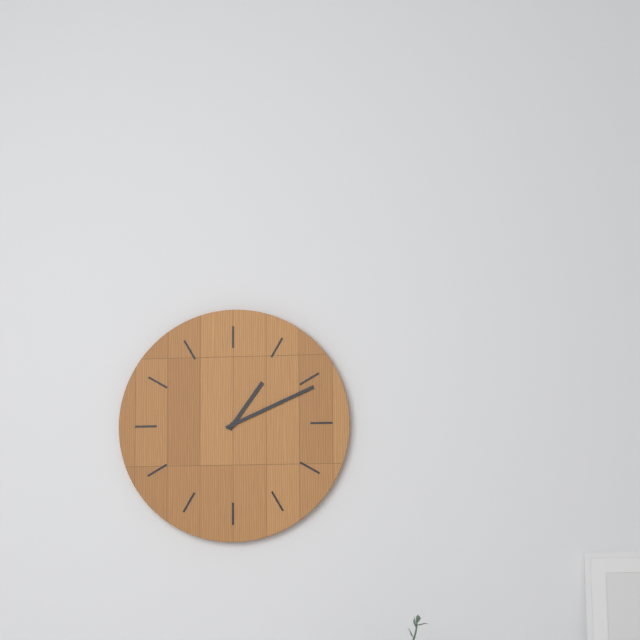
1 h 11 min
